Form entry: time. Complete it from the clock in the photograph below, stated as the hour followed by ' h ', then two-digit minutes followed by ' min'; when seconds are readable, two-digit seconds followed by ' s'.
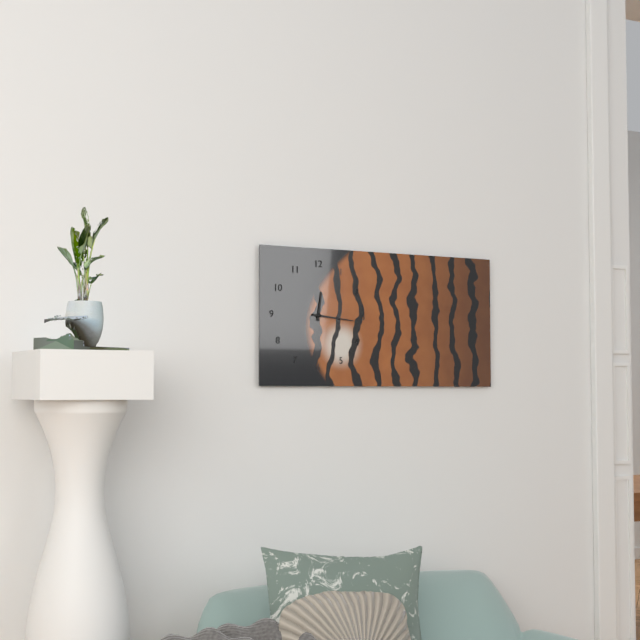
12 h 16 min
